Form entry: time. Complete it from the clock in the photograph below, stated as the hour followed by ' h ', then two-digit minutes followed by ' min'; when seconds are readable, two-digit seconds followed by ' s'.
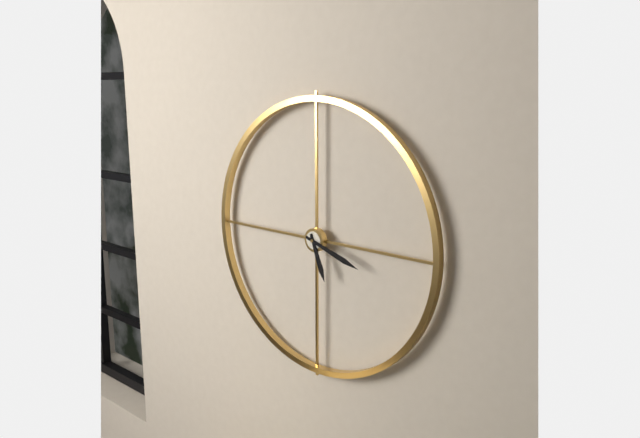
5 h 18 min
